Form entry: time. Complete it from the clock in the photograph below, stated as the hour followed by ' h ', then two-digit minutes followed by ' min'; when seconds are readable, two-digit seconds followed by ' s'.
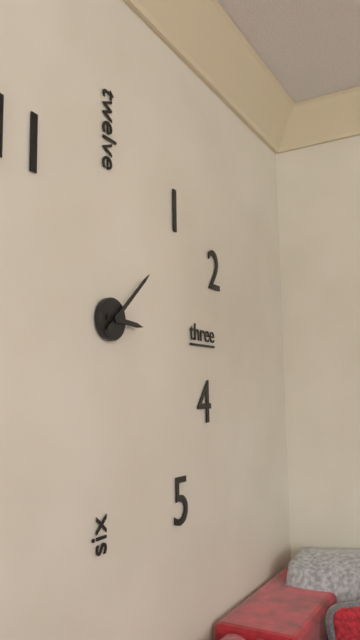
3 h 08 min
